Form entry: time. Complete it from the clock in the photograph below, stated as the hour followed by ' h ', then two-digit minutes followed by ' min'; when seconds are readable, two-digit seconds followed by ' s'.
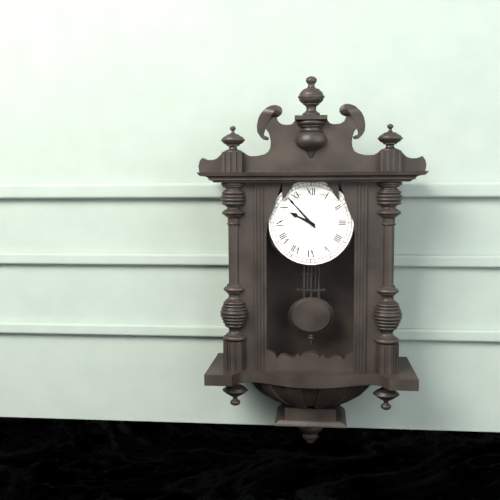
9 h 53 min
